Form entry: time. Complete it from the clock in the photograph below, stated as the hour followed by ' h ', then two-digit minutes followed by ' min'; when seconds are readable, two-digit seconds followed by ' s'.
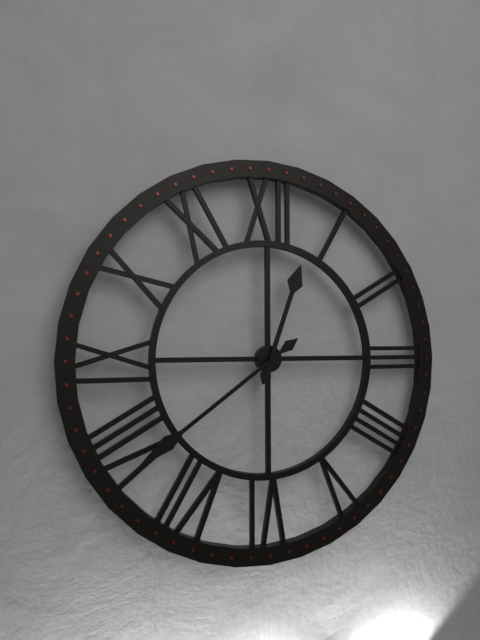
12 h 39 min
